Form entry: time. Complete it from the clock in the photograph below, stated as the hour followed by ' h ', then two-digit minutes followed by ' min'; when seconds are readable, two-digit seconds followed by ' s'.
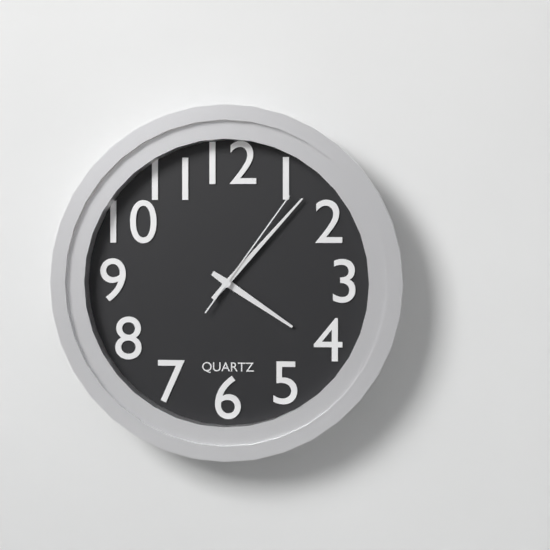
4 h 07 min 06 s
